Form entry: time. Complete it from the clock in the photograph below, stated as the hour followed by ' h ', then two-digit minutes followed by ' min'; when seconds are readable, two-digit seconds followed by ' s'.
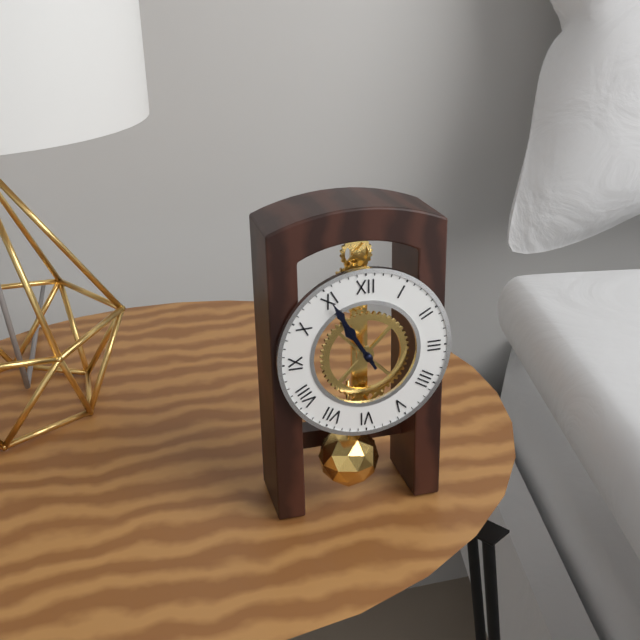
10 h 55 min
